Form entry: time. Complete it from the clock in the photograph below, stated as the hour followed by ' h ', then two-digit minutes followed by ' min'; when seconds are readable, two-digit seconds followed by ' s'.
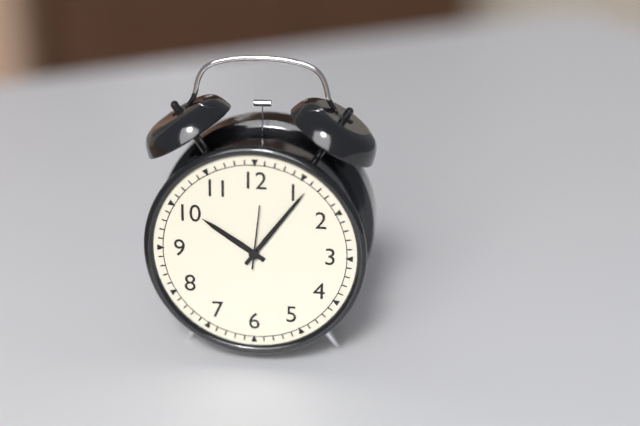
10 h 06 min 01 s
